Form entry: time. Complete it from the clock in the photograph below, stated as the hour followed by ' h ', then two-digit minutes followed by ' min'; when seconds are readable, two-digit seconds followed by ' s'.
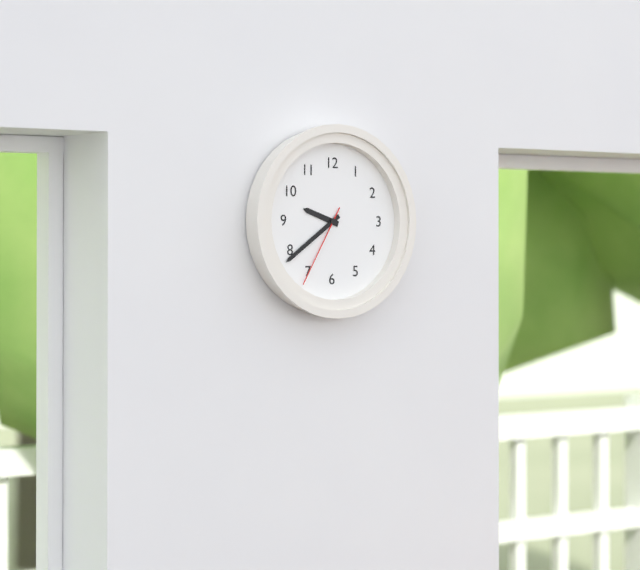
9 h 39 min 35 s
